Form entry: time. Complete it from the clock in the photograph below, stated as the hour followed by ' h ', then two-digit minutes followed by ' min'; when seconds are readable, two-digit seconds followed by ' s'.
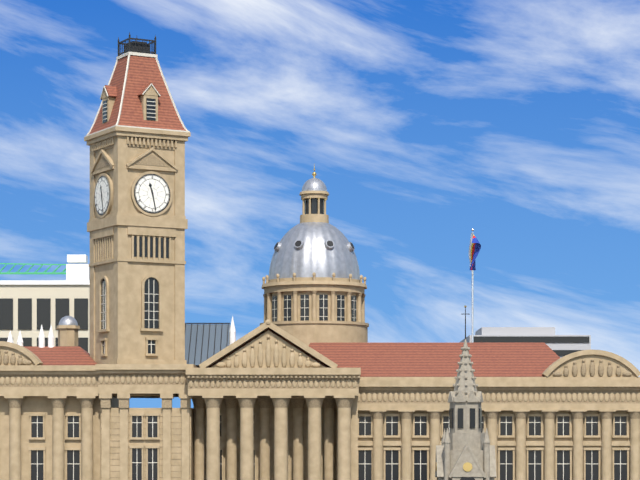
11 h 28 min
